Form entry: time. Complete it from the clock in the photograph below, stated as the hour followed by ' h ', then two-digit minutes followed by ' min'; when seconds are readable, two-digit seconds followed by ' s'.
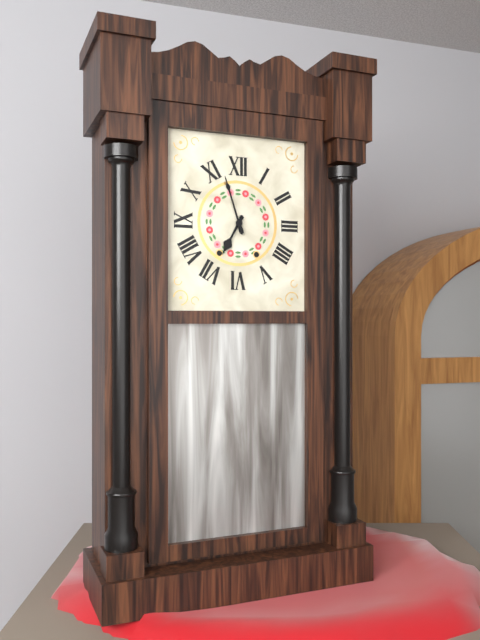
6 h 57 min
